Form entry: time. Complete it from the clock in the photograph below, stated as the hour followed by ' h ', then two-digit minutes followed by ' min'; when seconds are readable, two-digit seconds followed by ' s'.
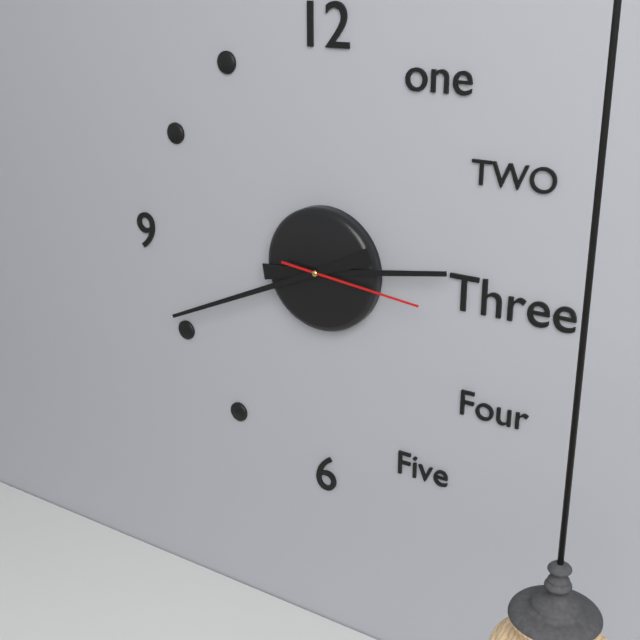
2 h 41 min 16 s
